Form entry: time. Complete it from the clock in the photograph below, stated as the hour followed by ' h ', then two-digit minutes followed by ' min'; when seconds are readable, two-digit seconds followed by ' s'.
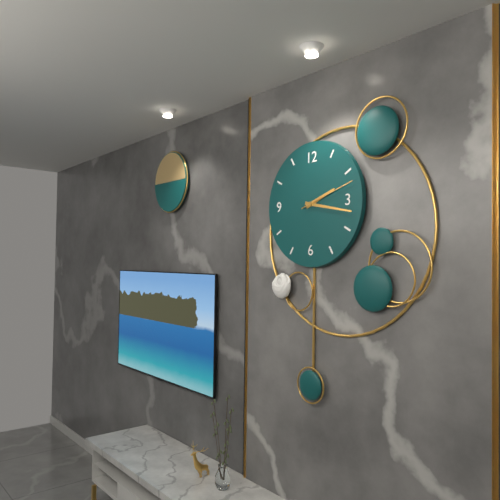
2 h 17 min 12 s
